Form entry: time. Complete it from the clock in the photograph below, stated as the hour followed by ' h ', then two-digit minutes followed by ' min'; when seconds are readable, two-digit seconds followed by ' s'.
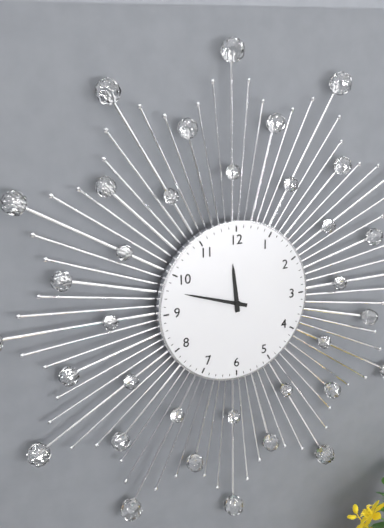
11 h 48 min
